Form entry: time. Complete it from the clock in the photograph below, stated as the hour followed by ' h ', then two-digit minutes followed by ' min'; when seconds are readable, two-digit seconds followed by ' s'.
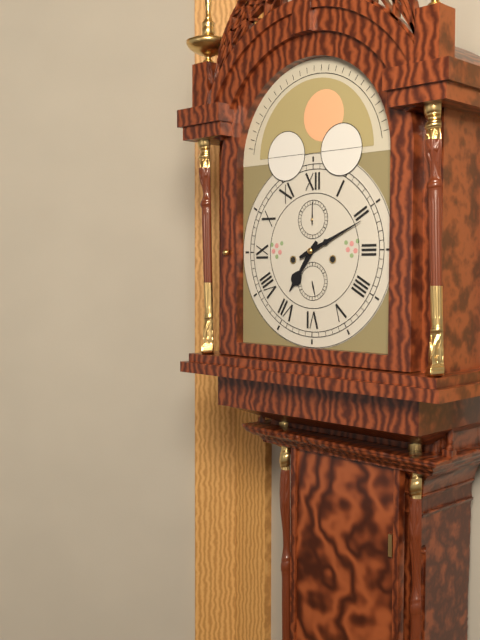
7 h 11 min
